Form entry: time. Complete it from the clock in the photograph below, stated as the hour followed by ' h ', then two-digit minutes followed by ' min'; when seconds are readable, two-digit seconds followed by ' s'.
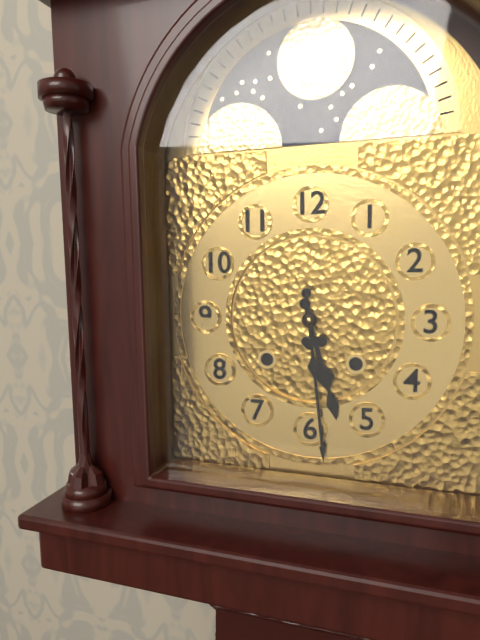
5 h 29 min
